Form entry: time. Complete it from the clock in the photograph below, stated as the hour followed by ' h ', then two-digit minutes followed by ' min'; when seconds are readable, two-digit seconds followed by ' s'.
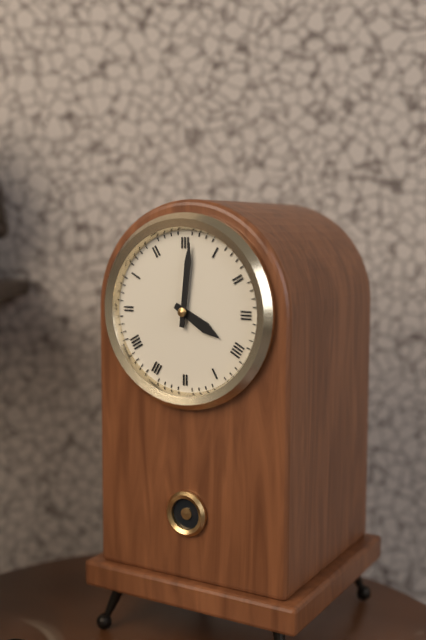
4 h 01 min
